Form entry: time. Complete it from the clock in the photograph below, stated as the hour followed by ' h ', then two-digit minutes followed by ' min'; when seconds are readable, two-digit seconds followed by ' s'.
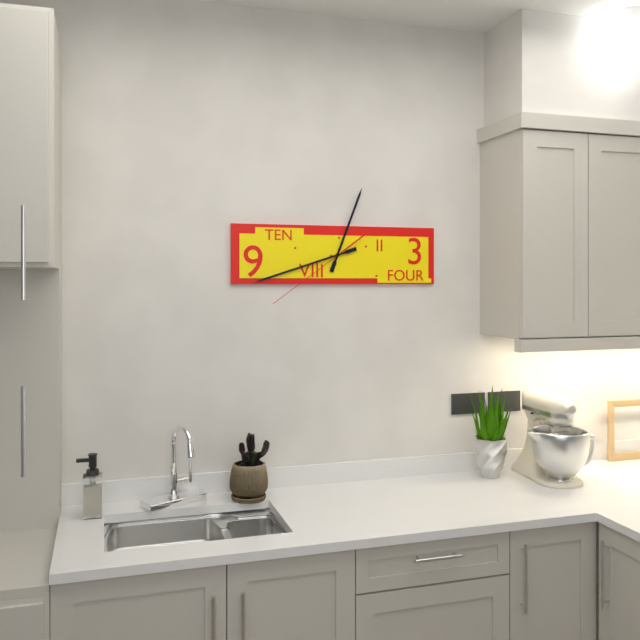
12 h 42 min 39 s
